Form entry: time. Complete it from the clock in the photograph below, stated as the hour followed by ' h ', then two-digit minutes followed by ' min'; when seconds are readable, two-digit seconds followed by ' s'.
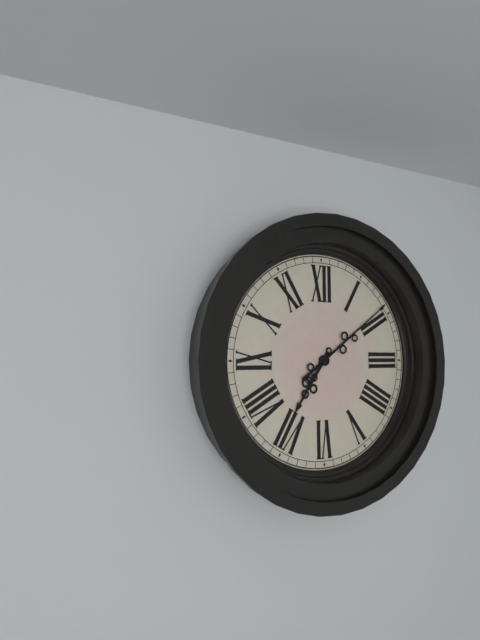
7 h 09 min
